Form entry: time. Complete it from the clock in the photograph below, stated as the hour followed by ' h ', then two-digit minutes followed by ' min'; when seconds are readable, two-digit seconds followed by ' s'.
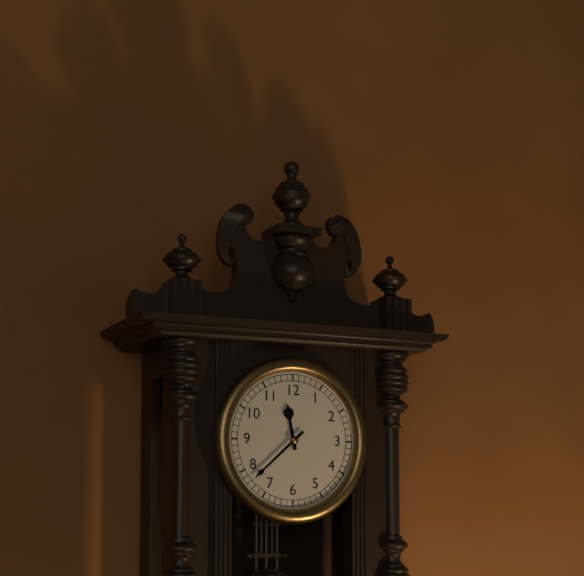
11 h 38 min
